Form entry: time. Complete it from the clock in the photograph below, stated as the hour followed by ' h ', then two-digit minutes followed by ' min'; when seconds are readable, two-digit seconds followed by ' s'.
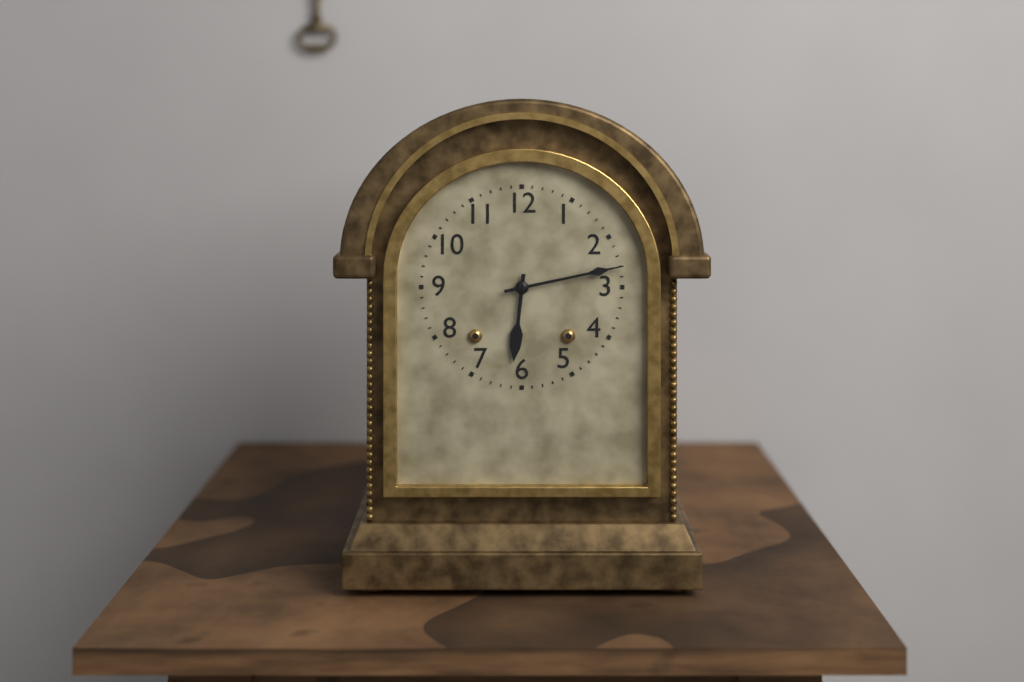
6 h 13 min
